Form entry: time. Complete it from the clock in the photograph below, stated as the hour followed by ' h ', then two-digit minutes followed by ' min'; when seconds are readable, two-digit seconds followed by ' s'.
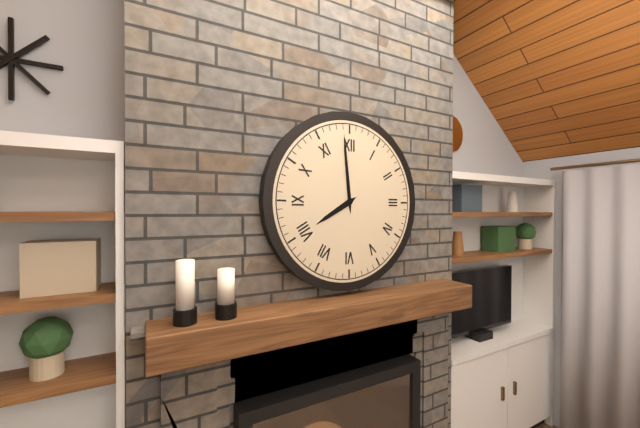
7 h 59 min
